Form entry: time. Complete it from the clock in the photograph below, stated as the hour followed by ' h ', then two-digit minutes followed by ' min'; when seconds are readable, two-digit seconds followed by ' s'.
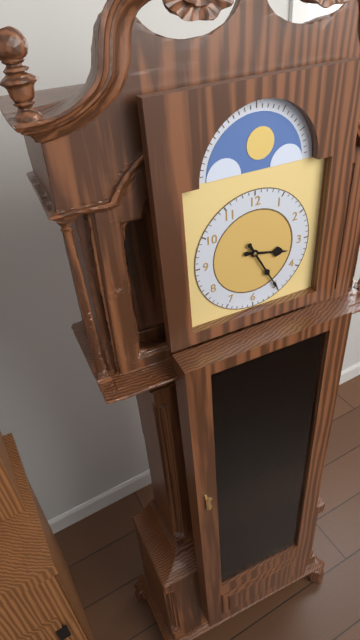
3 h 25 min
